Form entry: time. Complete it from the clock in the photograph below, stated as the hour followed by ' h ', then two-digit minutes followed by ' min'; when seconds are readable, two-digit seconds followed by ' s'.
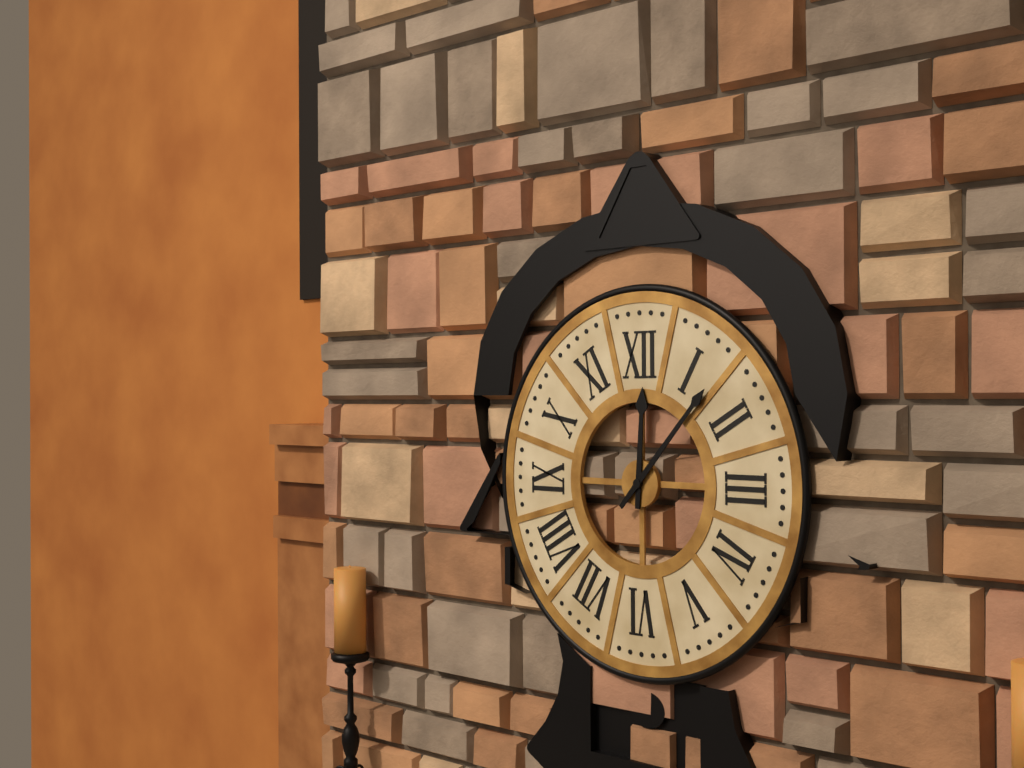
12 h 07 min
